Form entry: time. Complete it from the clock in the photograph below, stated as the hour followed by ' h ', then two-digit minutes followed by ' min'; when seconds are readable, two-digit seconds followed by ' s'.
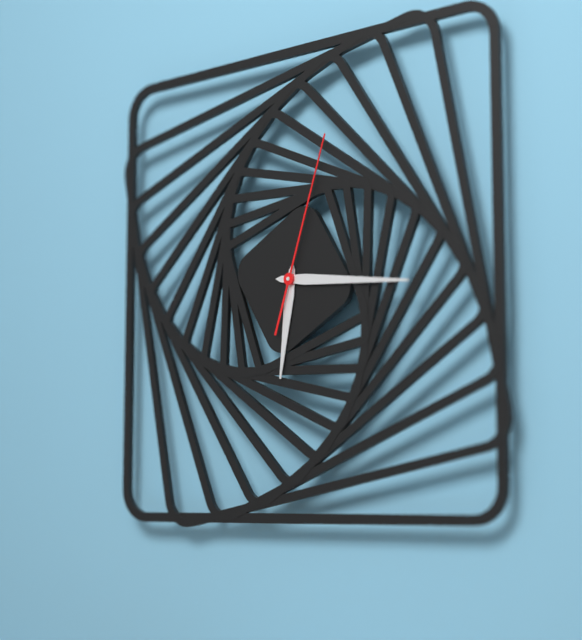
6 h 16 min 03 s
